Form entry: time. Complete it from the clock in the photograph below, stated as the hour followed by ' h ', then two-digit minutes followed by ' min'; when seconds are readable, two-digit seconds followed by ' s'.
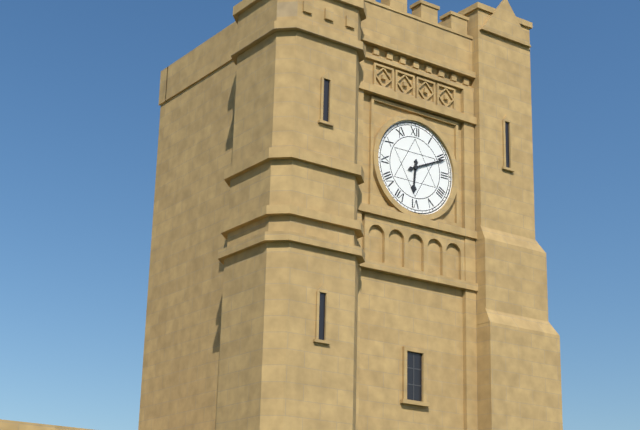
6 h 11 min
